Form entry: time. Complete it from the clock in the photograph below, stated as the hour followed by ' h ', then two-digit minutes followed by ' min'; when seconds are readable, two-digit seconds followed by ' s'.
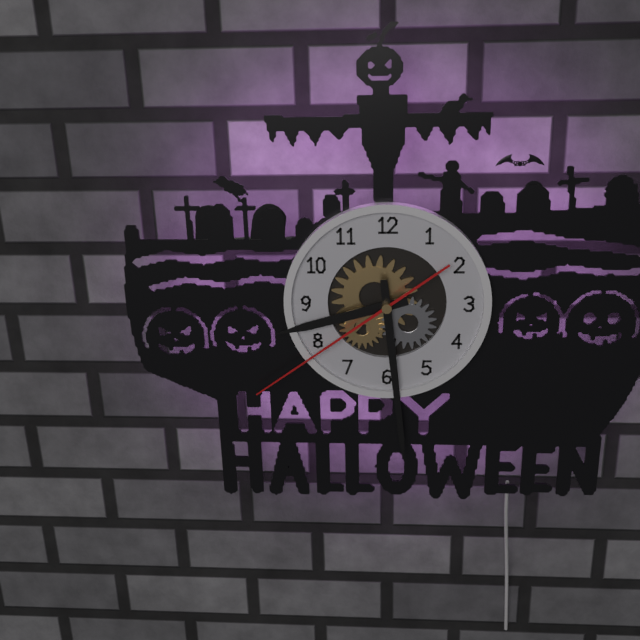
8 h 29 min 39 s
